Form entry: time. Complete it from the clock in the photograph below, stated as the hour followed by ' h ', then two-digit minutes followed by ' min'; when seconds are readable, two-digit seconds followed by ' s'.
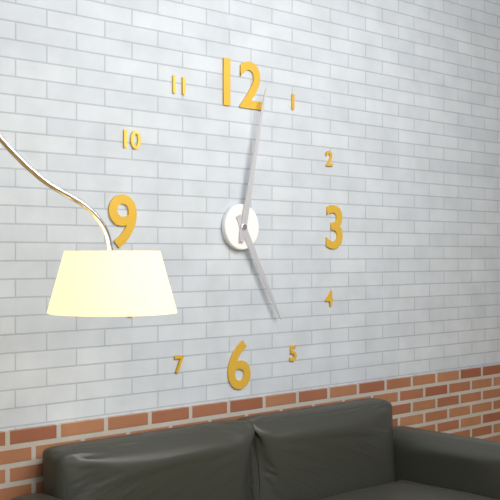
5 h 02 min
